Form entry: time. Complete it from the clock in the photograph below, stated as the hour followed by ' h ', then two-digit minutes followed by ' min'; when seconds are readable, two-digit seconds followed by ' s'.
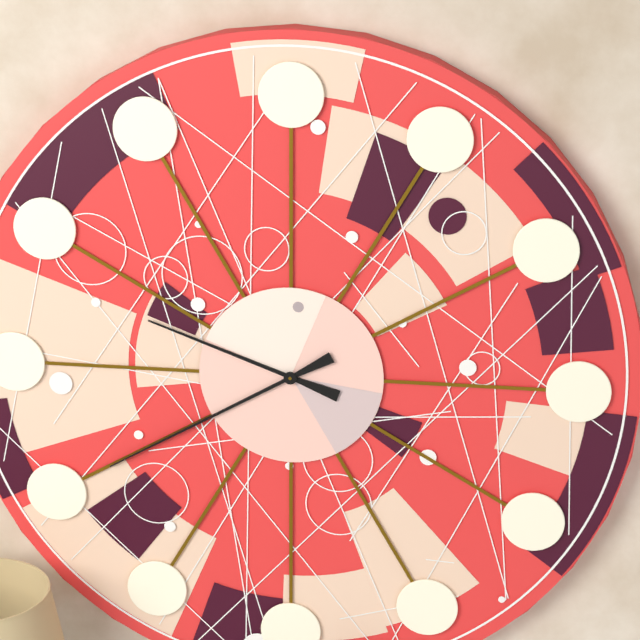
9 h 40 min
